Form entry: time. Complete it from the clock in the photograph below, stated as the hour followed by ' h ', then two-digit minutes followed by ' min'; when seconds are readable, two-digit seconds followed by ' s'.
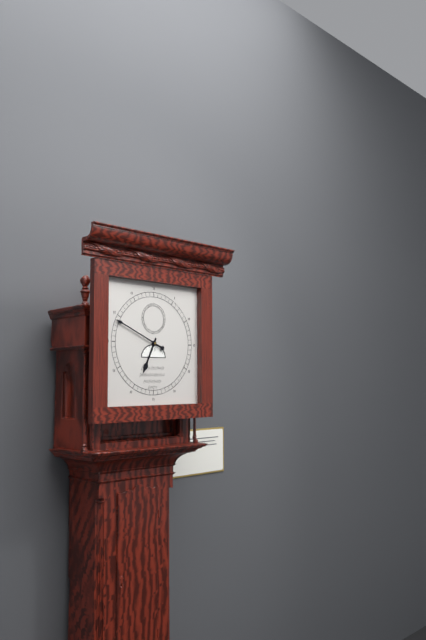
6 h 49 min
